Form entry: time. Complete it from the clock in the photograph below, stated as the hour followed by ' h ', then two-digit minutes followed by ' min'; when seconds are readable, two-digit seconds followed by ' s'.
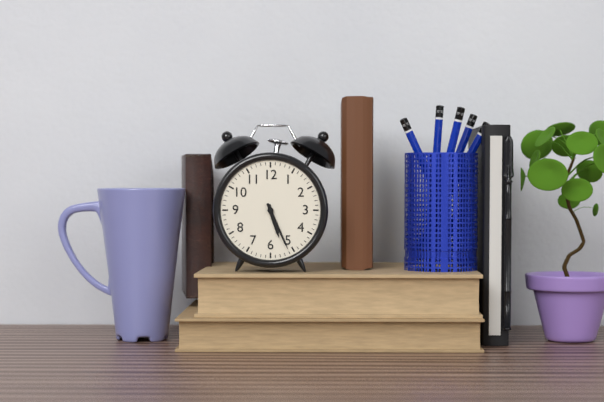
5 h 26 min
